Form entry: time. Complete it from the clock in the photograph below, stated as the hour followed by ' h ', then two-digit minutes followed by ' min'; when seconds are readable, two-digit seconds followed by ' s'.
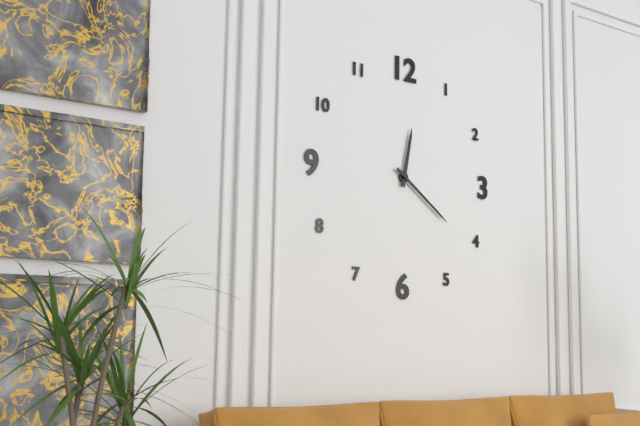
12 h 21 min
